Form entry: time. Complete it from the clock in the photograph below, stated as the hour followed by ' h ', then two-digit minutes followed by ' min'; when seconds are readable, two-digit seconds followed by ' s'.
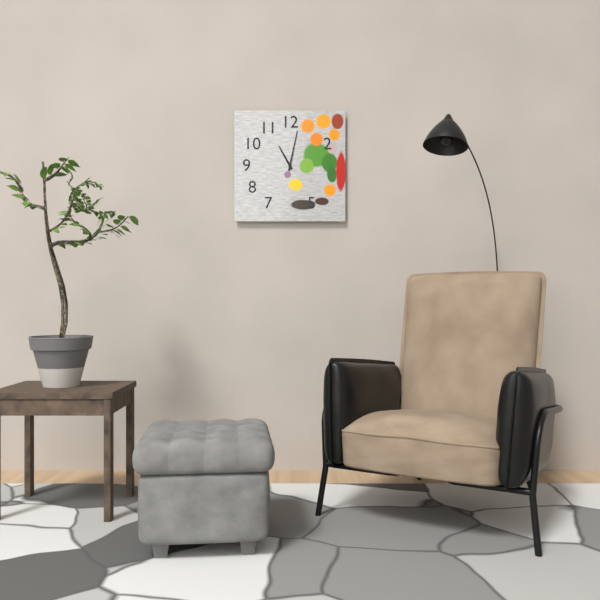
11 h 02 min
